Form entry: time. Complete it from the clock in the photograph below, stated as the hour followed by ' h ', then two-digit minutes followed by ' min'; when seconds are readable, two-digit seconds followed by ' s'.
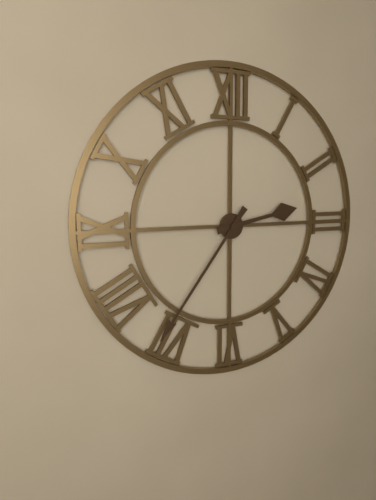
2 h 36 min
